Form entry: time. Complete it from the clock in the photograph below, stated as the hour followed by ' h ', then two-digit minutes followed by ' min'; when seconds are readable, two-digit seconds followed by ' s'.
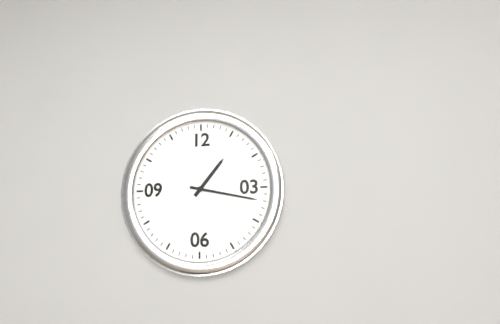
1 h 17 min
